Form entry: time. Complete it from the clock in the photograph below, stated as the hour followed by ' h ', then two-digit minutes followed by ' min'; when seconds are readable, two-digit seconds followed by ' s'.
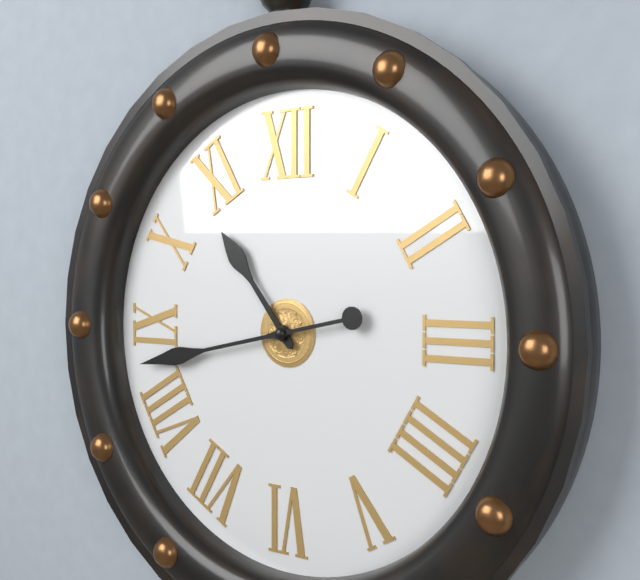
10 h 43 min
